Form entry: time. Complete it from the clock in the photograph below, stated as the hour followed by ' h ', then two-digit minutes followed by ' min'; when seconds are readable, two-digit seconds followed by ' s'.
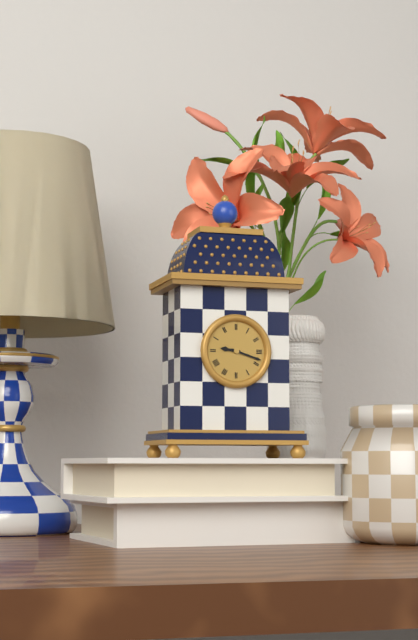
9 h 18 min
